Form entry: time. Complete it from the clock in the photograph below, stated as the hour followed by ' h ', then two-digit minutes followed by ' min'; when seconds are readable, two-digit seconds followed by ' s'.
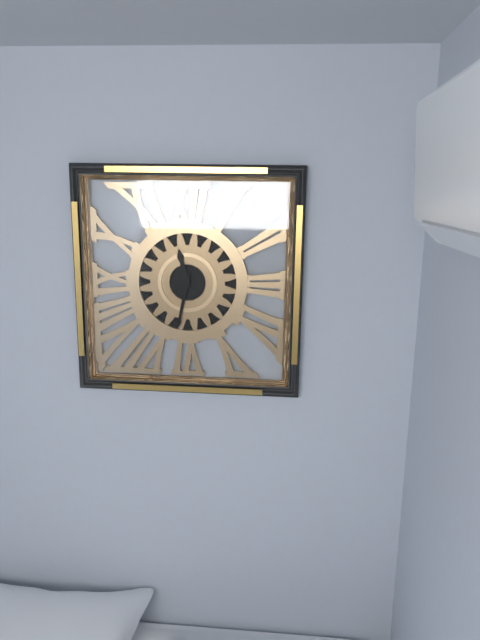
11 h 32 min
